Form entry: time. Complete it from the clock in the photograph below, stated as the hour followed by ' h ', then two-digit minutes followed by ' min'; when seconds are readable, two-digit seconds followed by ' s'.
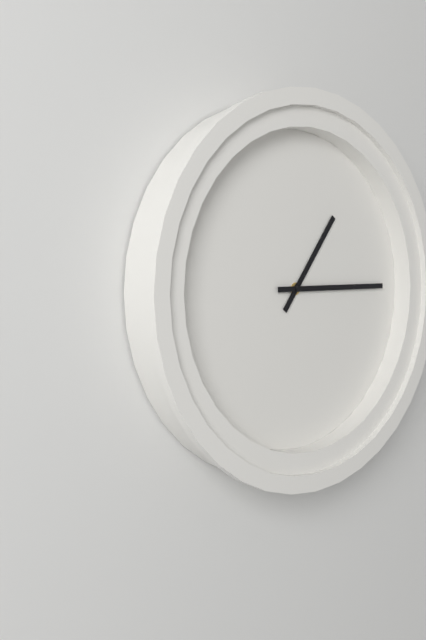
1 h 15 min
